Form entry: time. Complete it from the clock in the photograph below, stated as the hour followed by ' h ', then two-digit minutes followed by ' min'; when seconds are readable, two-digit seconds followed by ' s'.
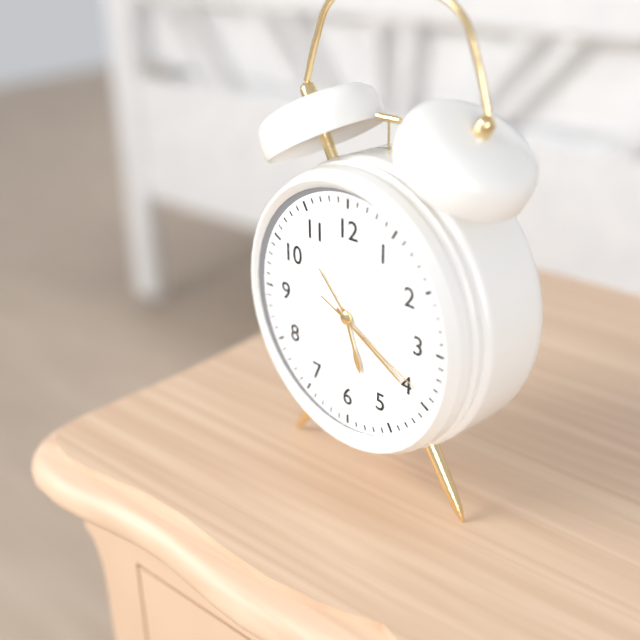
5 h 20 min 19 s
